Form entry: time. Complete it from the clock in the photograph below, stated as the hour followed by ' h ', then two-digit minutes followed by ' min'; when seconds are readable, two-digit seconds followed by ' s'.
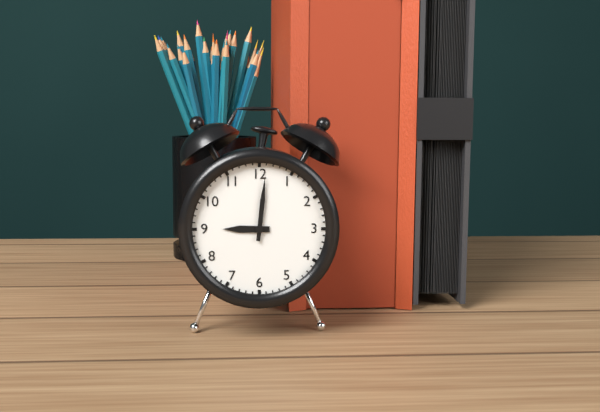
9 h 01 min
